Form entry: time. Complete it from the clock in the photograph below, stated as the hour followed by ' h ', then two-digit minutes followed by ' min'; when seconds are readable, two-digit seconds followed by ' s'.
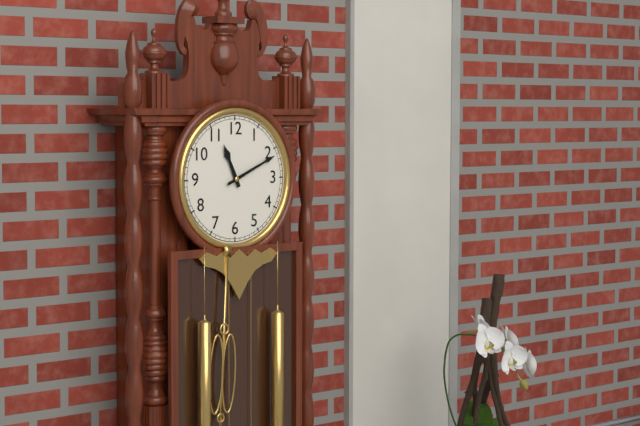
11 h 11 min
